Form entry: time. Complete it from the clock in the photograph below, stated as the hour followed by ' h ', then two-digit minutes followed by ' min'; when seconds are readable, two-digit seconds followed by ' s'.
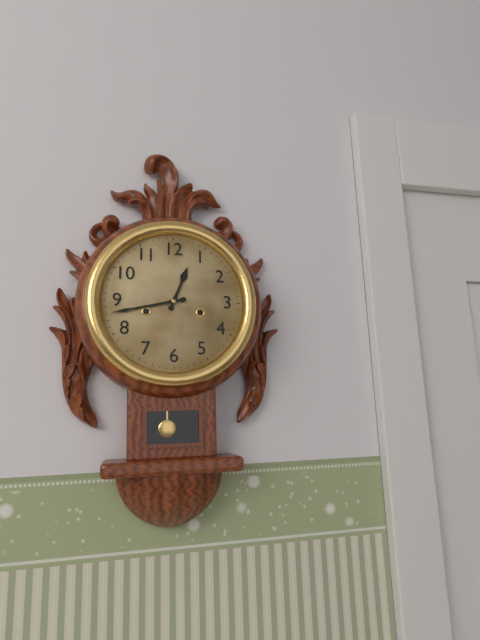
12 h 43 min
